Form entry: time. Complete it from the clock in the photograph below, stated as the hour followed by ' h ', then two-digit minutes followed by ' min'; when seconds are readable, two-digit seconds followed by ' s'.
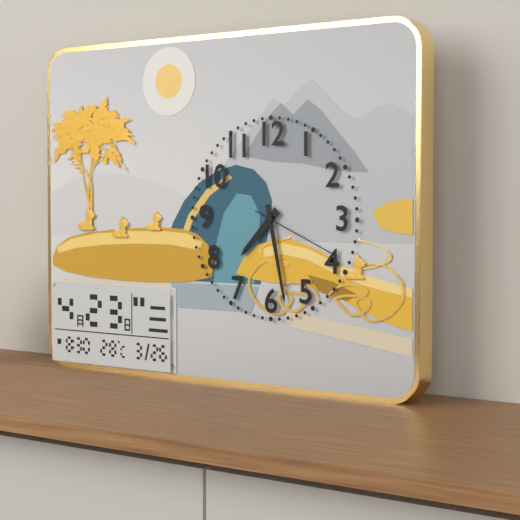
7 h 28 min 19 s
